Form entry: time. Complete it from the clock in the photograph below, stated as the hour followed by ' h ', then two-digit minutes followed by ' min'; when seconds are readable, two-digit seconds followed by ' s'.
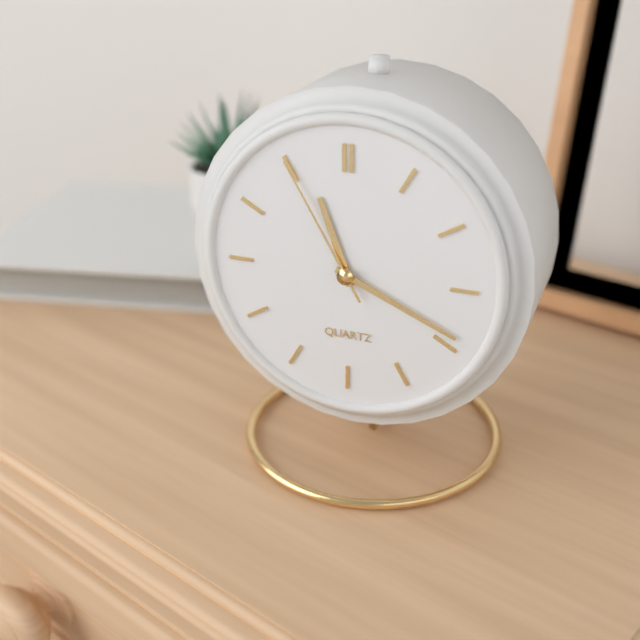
11 h 19 min 55 s
